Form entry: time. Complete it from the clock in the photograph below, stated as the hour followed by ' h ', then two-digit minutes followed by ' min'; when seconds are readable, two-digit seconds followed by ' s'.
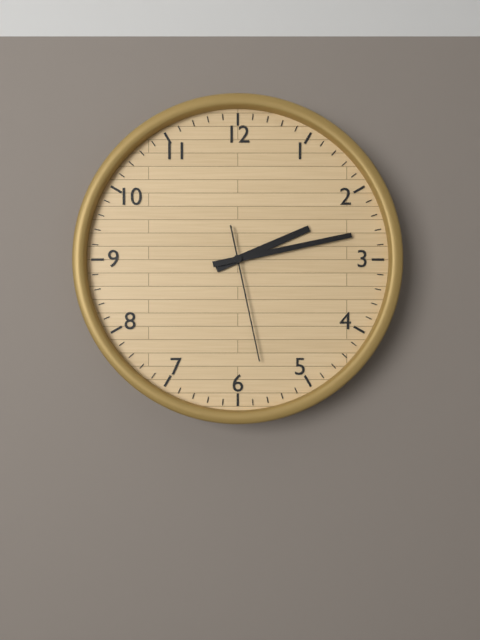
2 h 13 min 28 s
